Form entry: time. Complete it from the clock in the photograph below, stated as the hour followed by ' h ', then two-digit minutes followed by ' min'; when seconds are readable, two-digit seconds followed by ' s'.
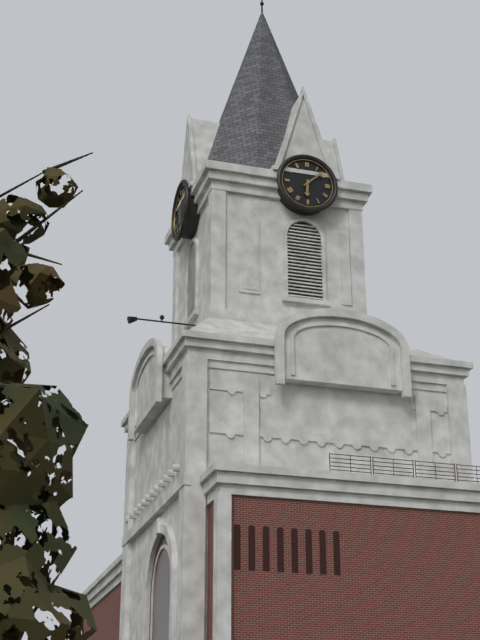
6 h 08 min
